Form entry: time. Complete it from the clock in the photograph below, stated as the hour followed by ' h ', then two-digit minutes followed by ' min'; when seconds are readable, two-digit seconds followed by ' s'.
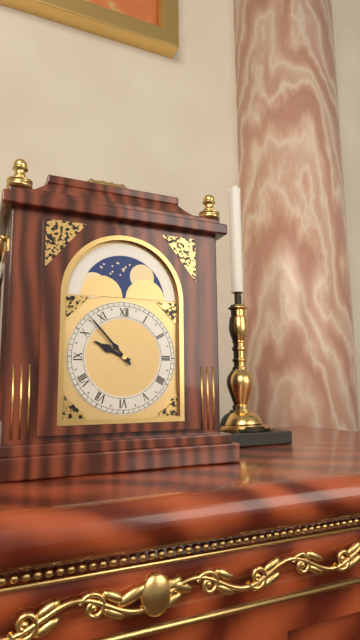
9 h 53 min
